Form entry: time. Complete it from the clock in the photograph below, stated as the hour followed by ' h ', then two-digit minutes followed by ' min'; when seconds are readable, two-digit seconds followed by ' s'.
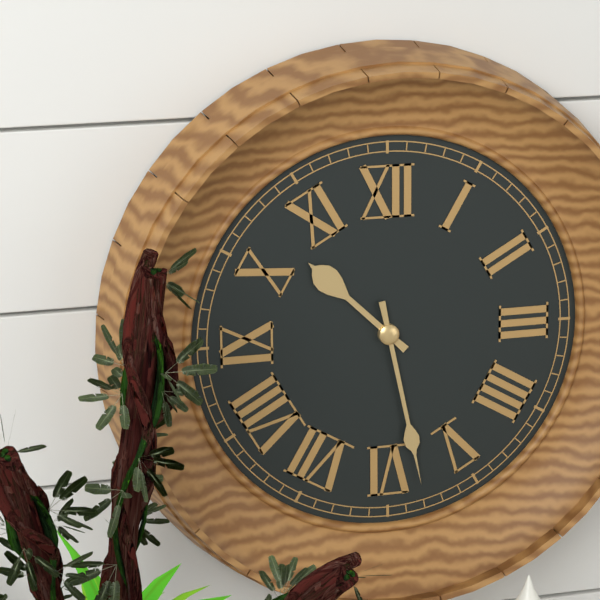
10 h 28 min
